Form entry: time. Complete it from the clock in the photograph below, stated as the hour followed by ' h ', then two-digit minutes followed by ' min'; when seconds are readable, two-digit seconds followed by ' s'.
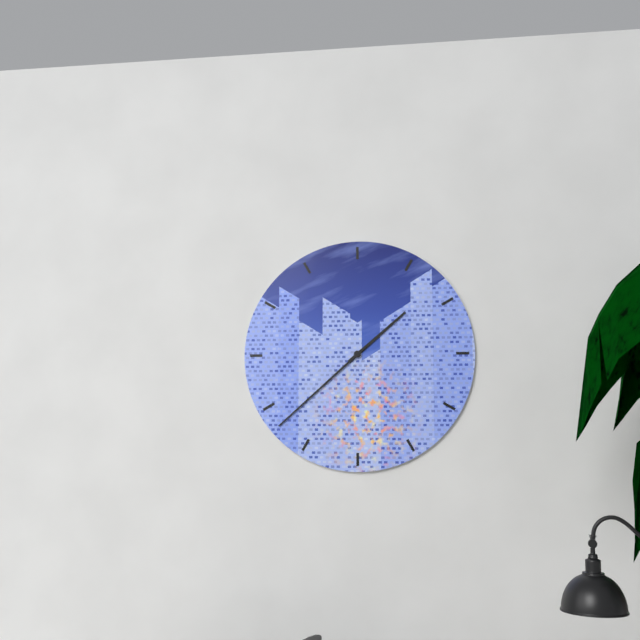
1 h 38 min
